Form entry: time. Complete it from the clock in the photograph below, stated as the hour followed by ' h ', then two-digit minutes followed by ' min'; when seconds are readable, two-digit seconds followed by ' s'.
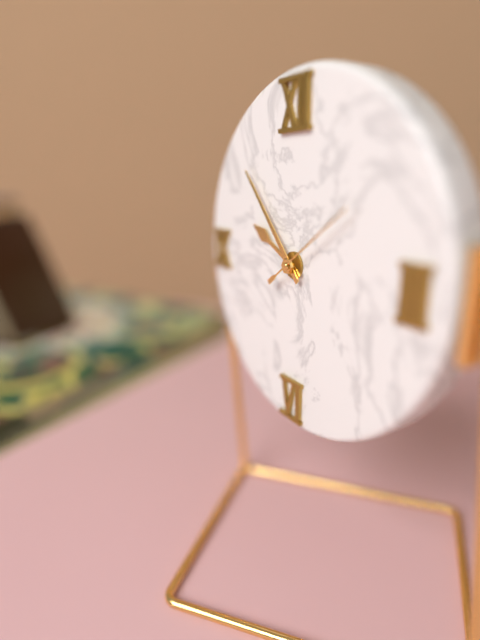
9 h 53 min 09 s
